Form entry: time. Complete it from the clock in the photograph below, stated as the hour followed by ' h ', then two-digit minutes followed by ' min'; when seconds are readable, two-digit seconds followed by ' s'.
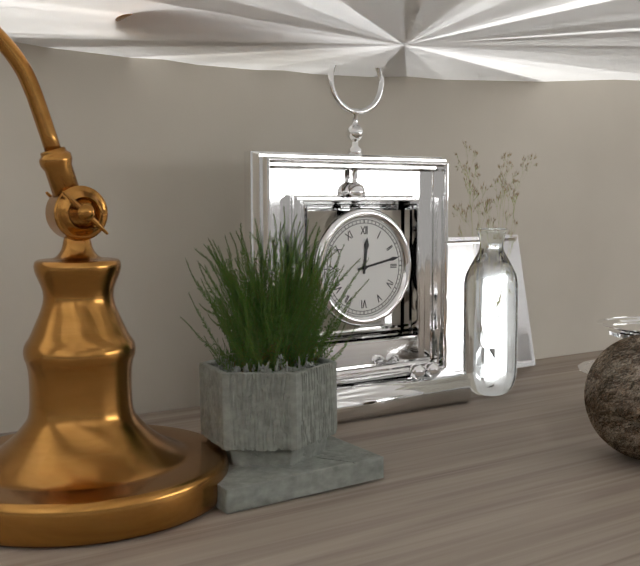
12 h 13 min
